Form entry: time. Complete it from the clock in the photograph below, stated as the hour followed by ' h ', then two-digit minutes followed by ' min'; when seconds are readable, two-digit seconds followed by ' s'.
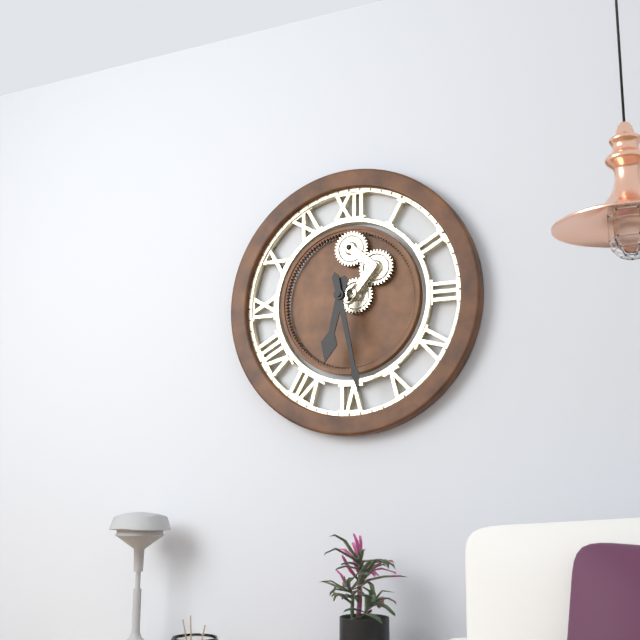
6 h 28 min
